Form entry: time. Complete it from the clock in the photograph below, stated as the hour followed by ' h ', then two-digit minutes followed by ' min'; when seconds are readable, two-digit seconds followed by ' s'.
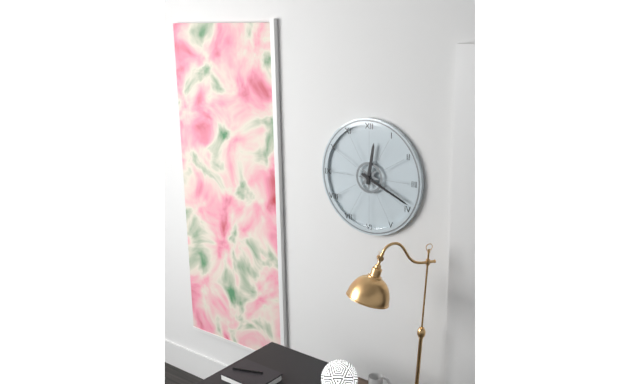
12 h 19 min
